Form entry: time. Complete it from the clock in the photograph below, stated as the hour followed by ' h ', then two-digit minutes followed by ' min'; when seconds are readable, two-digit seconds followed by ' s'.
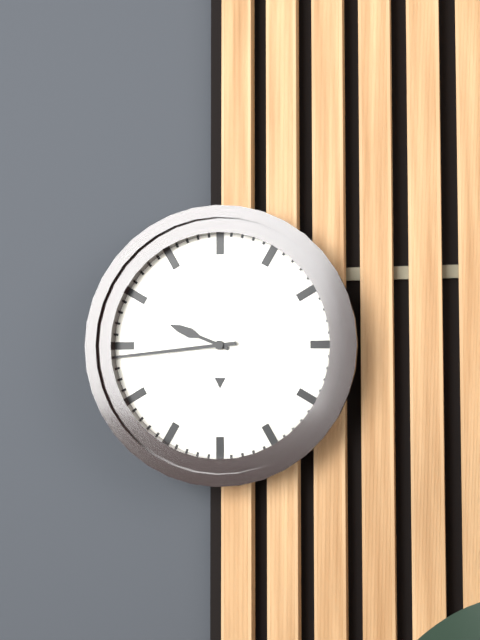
9 h 44 min
